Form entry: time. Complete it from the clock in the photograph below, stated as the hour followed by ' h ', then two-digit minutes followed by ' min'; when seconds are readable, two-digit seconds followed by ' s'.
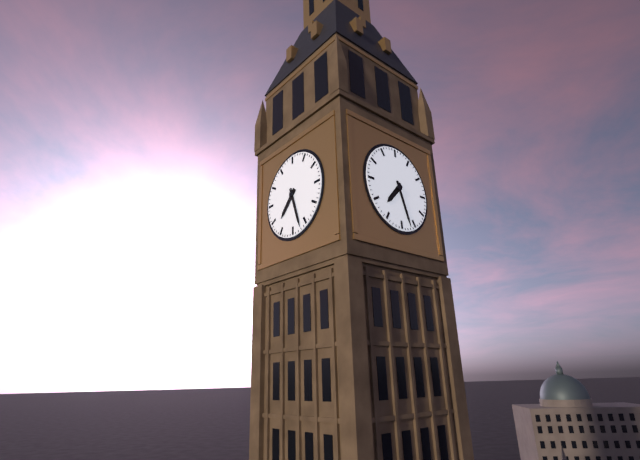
7 h 27 min
